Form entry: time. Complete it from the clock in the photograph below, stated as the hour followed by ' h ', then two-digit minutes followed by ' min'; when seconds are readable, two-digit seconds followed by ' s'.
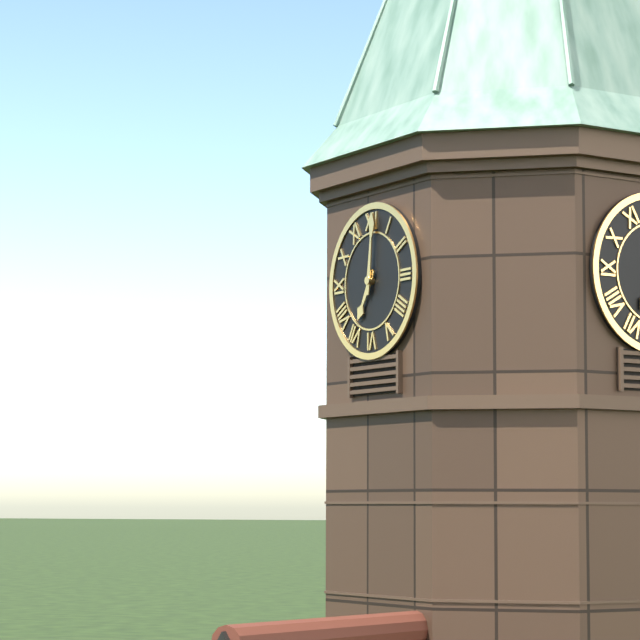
7 h 01 min
